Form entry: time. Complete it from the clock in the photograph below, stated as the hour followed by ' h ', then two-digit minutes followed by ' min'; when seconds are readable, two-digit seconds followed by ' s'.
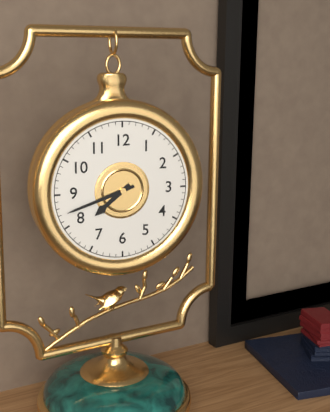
7 h 42 min
